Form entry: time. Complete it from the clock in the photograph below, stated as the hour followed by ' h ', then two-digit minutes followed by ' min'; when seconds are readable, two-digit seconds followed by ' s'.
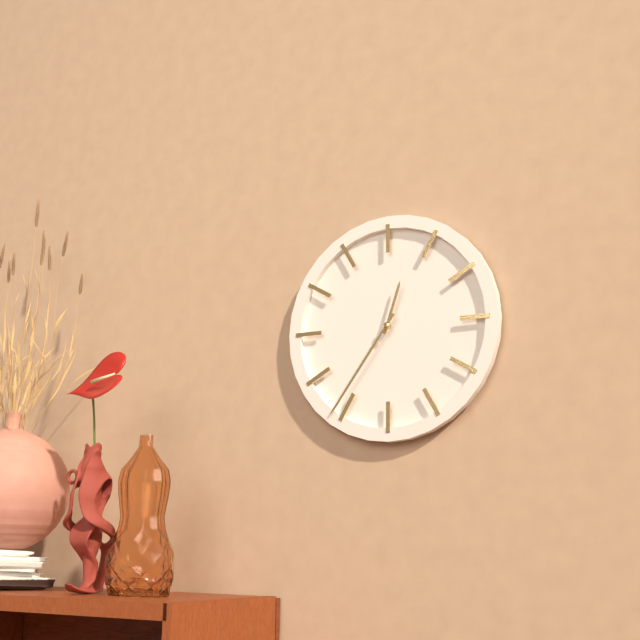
12 h 36 min
